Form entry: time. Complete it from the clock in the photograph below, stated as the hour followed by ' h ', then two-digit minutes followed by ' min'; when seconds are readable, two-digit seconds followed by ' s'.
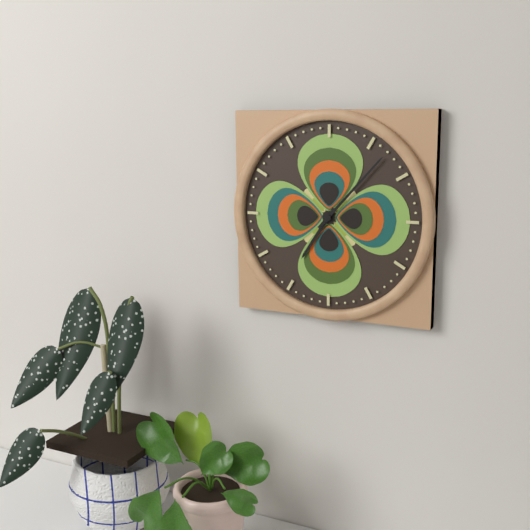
7 h 07 min
